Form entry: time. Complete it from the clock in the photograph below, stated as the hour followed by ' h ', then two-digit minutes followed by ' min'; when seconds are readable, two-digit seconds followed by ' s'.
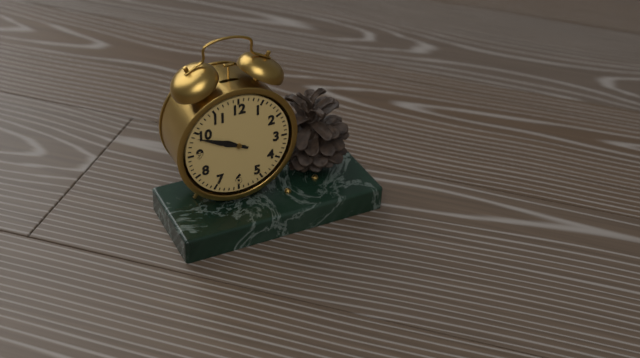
9 h 49 min
